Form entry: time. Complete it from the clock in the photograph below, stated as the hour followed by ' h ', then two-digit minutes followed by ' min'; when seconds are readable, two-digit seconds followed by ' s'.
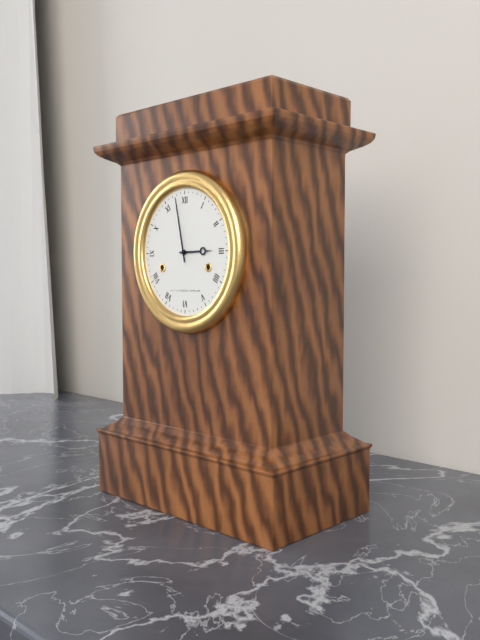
2 h 58 min
